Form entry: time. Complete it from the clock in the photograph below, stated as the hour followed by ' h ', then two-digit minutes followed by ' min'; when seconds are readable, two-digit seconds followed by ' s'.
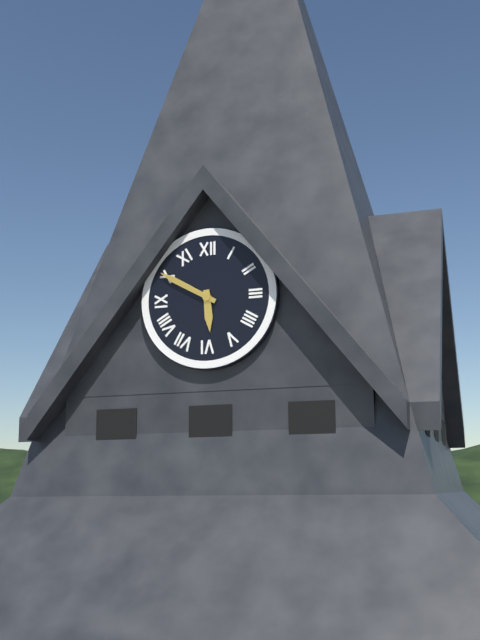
5 h 50 min
